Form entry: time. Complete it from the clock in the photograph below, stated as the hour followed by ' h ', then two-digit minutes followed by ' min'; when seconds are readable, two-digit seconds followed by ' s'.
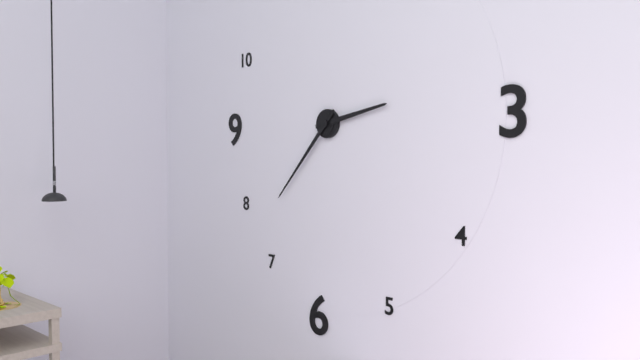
2 h 37 min
